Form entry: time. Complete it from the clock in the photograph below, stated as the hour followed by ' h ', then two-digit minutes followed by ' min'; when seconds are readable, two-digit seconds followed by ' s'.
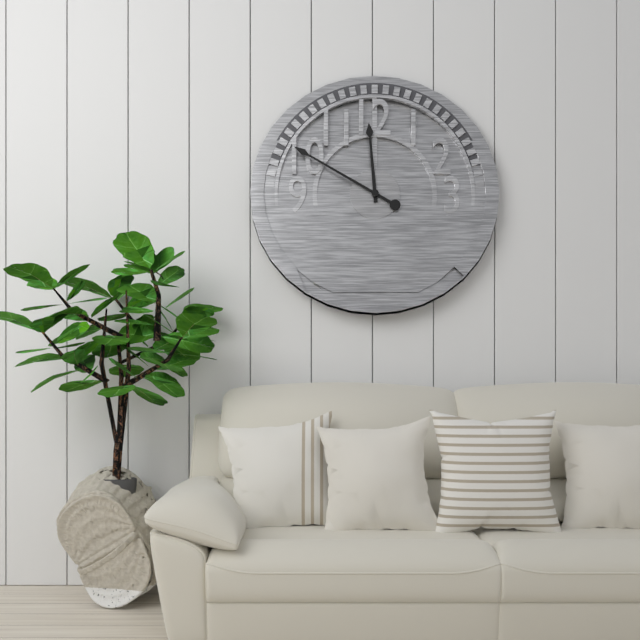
11 h 50 min
